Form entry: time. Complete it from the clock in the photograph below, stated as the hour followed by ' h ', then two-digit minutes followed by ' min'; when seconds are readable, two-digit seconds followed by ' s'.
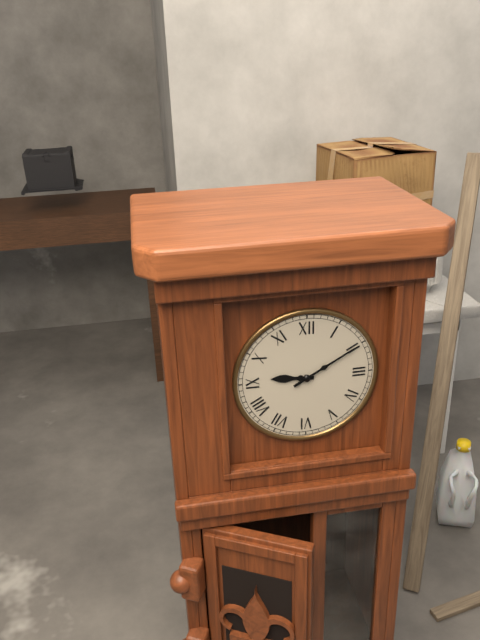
9 h 10 min
